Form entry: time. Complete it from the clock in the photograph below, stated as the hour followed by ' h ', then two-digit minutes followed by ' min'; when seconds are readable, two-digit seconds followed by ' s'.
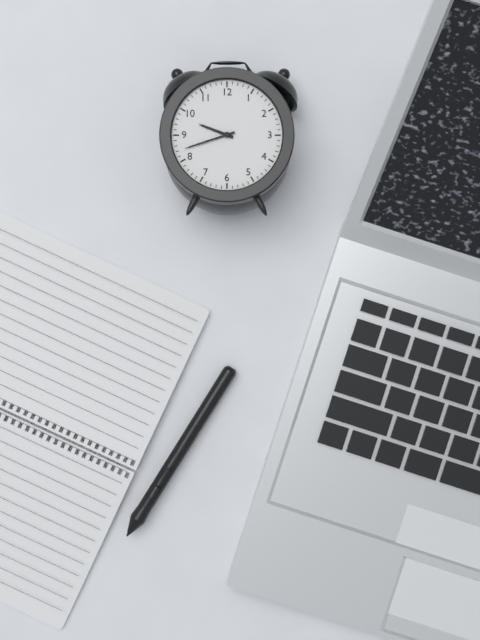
9 h 42 min
